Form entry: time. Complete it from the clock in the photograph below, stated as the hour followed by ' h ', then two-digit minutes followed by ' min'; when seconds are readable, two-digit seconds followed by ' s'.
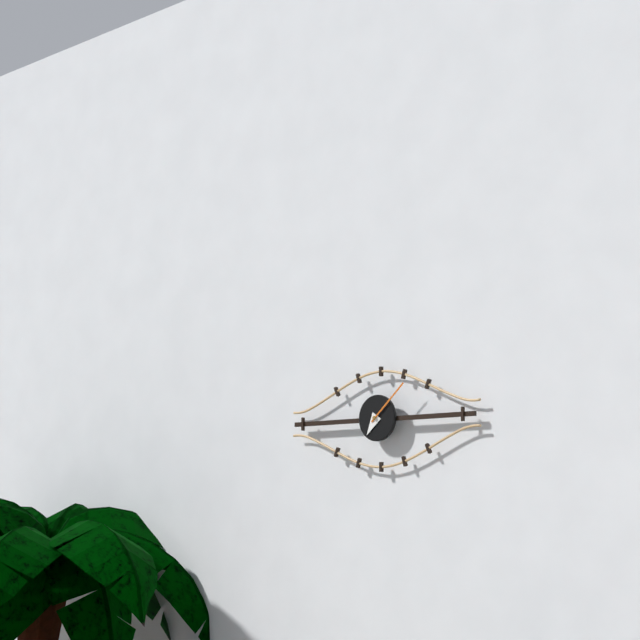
7 h 08 min
